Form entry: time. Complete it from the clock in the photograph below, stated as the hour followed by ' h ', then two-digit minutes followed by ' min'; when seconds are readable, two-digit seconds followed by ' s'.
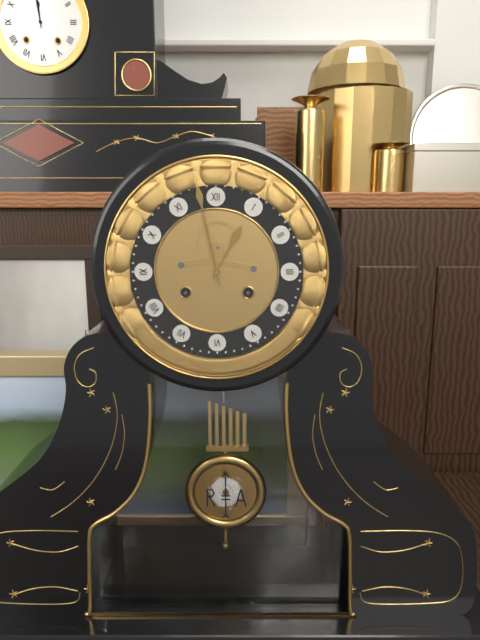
12 h 58 min
